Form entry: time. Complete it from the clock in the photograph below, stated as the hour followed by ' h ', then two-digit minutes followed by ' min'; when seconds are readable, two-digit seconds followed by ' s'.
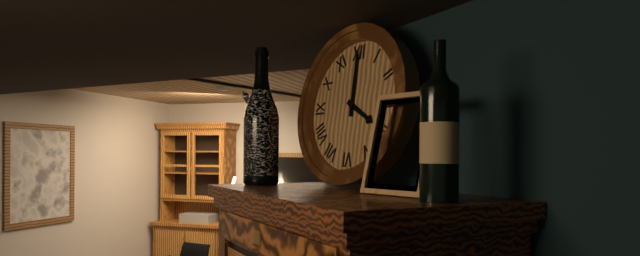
4 h 00 min
